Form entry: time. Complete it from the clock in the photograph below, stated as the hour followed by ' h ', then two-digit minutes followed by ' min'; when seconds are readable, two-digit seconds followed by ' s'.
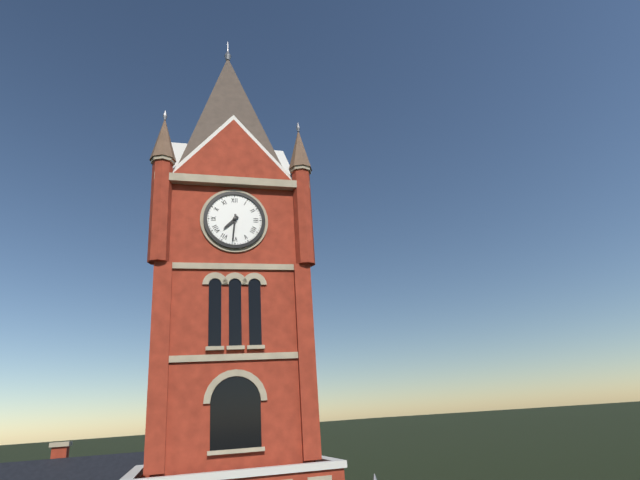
7 h 31 min
